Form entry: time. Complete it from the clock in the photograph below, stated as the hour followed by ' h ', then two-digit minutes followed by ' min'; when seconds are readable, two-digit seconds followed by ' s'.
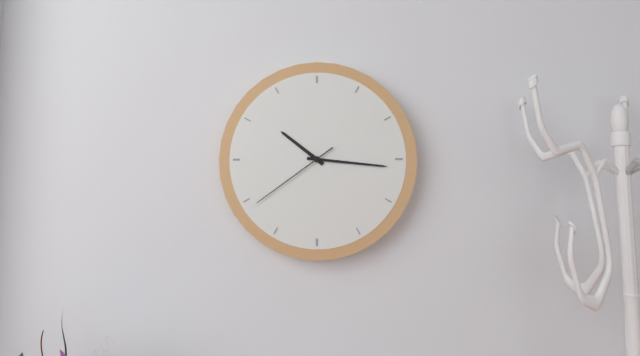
10 h 16 min 39 s
